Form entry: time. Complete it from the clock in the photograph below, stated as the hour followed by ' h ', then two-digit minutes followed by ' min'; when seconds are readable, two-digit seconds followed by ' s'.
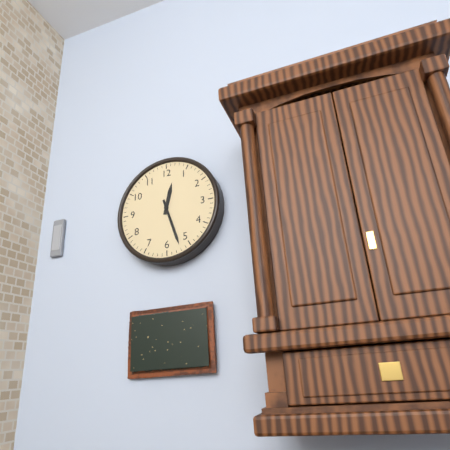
12 h 27 min
